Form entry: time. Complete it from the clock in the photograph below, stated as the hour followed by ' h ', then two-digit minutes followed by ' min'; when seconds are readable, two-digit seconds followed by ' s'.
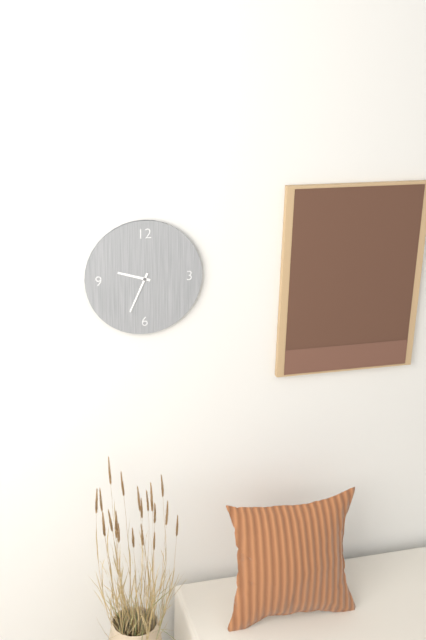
9 h 34 min
